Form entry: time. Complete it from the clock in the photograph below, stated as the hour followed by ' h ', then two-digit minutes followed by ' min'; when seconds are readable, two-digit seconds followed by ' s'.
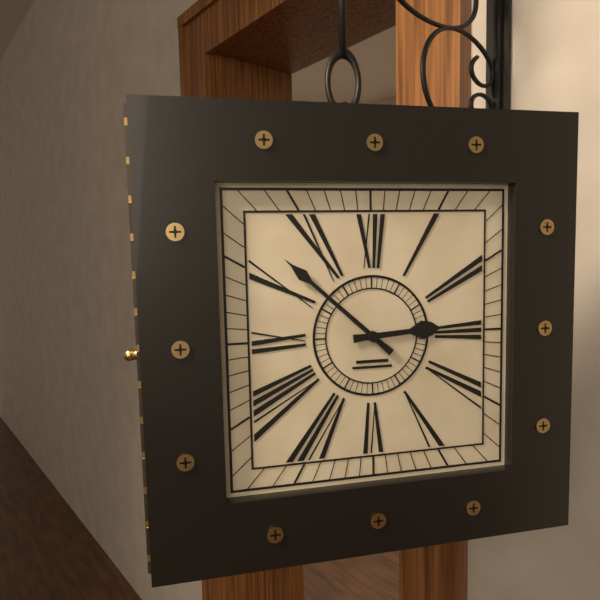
2 h 52 min
